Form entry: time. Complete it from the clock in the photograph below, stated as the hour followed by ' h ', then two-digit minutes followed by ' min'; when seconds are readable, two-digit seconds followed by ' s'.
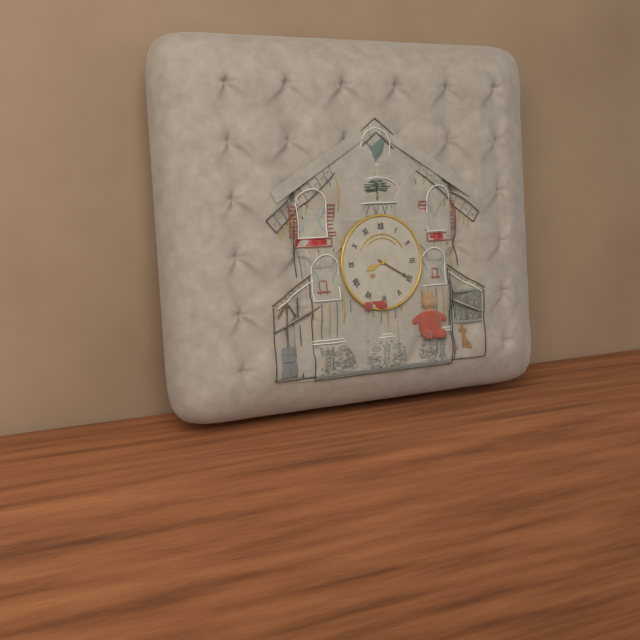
8 h 20 min
